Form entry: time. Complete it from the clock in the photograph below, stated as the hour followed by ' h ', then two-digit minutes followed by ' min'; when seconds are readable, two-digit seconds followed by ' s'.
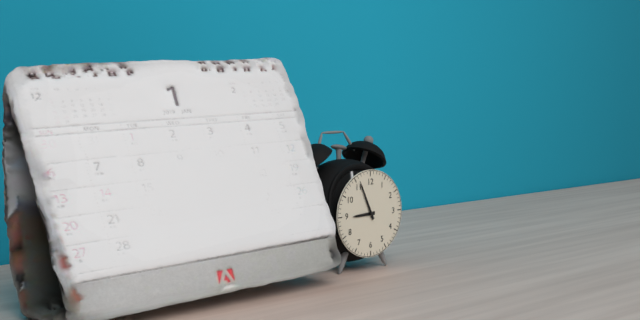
8 h 56 min
